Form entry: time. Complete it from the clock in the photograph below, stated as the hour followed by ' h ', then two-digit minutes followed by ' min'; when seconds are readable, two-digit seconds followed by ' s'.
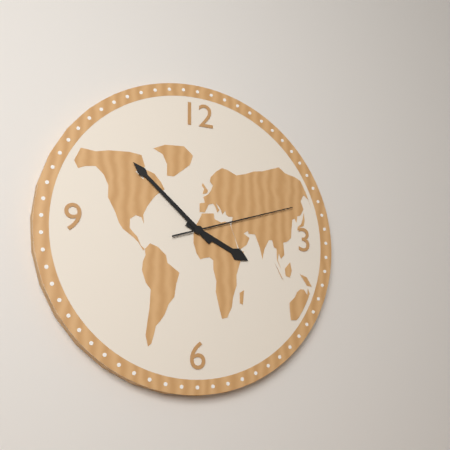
3 h 52 min 12 s
